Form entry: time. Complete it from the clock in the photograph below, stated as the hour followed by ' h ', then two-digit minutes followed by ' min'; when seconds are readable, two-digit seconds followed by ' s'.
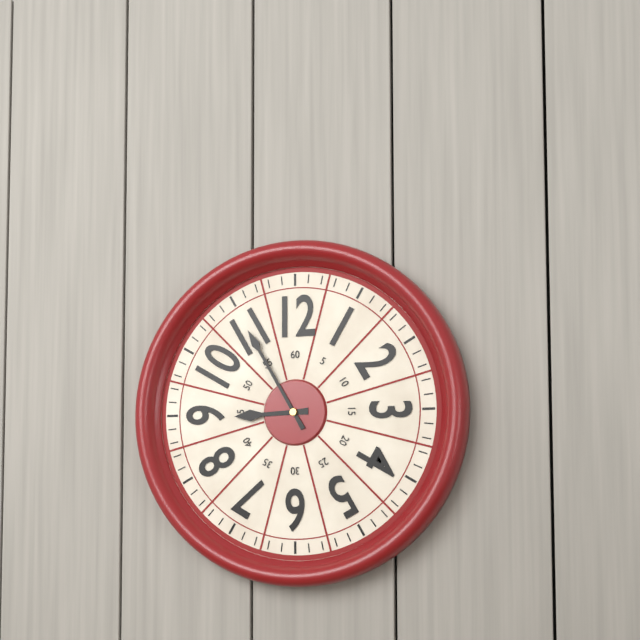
8 h 55 min
